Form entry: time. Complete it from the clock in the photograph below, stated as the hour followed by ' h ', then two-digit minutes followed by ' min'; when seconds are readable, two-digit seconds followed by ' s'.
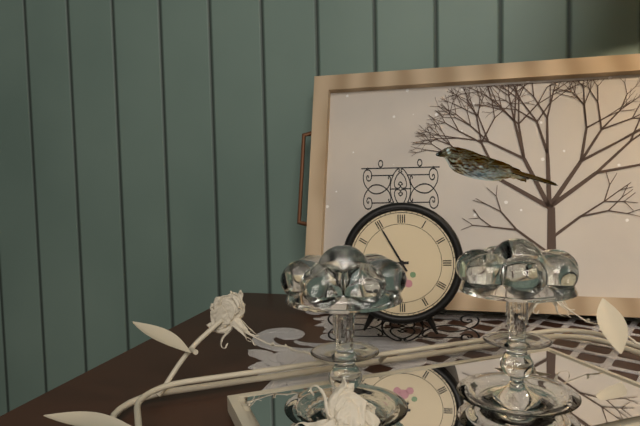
8 h 55 min
